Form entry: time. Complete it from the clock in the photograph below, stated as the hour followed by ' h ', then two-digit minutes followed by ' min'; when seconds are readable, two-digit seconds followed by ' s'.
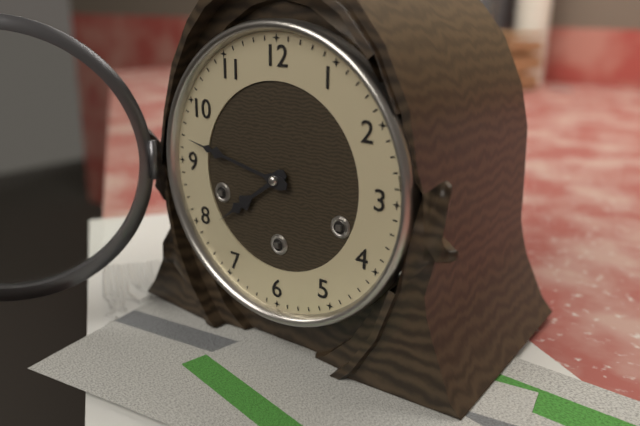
7 h 47 min
